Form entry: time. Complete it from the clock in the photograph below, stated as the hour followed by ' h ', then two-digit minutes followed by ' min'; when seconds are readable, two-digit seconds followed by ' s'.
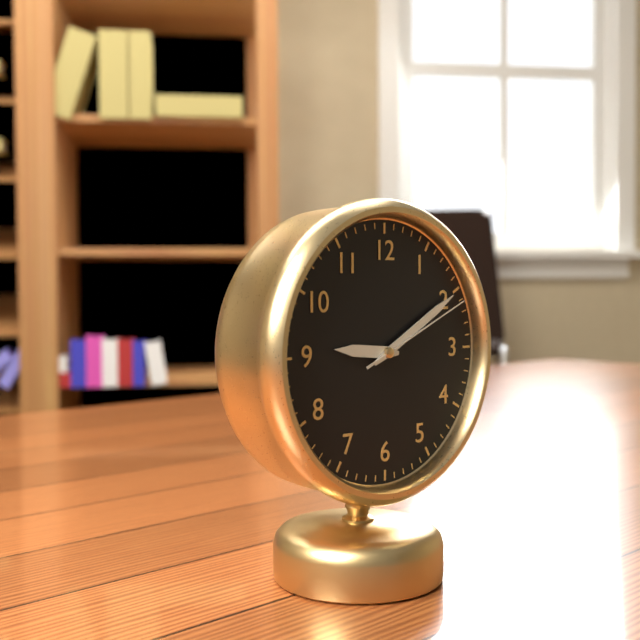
9 h 10 min 11 s
